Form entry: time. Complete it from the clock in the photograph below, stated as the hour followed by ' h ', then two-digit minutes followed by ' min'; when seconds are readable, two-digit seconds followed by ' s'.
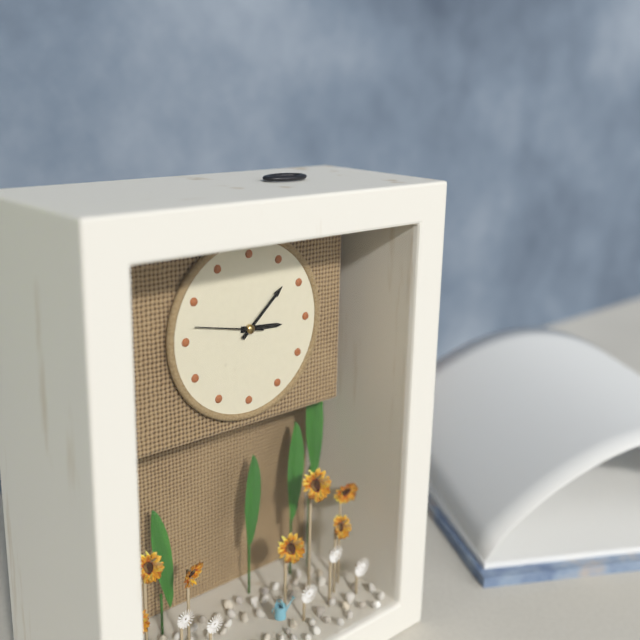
3 h 08 min 47 s
